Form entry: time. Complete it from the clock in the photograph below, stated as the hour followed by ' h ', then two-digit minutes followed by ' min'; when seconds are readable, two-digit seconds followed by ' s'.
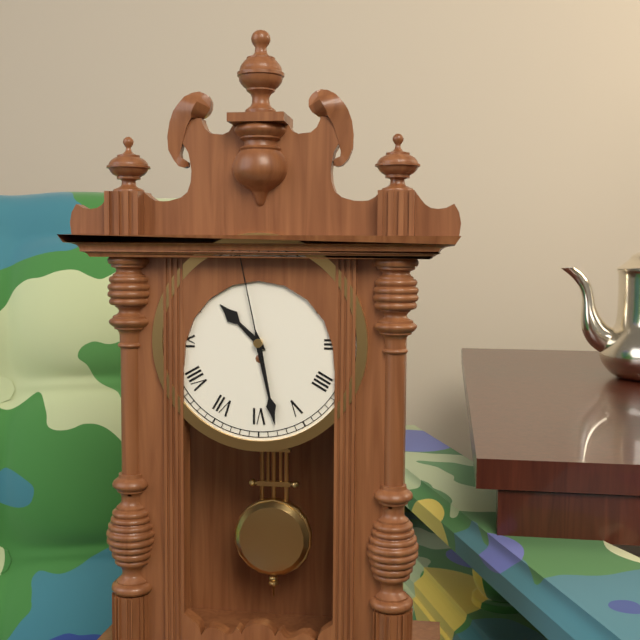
10 h 28 min 58 s
